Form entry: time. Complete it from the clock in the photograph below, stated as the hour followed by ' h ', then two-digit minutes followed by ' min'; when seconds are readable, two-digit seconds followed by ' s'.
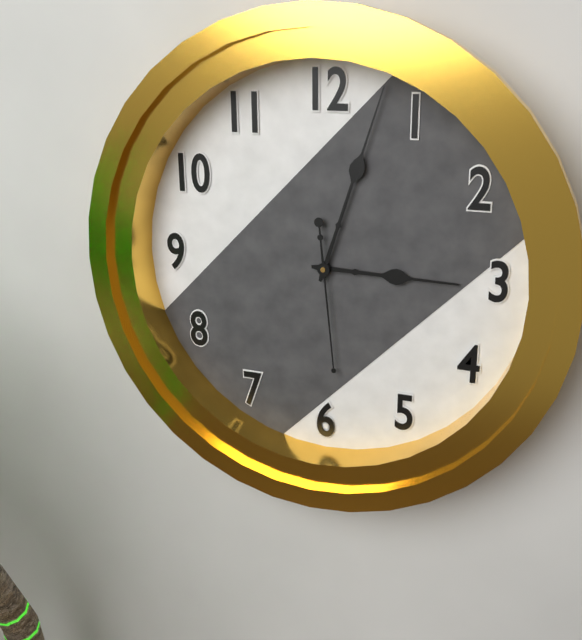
3 h 03 min 29 s
